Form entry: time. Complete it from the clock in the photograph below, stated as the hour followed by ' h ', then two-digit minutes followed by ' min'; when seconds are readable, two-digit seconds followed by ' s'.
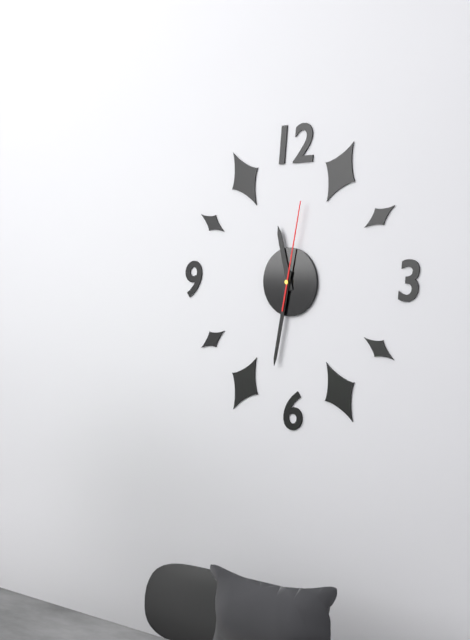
11 h 32 min 02 s
